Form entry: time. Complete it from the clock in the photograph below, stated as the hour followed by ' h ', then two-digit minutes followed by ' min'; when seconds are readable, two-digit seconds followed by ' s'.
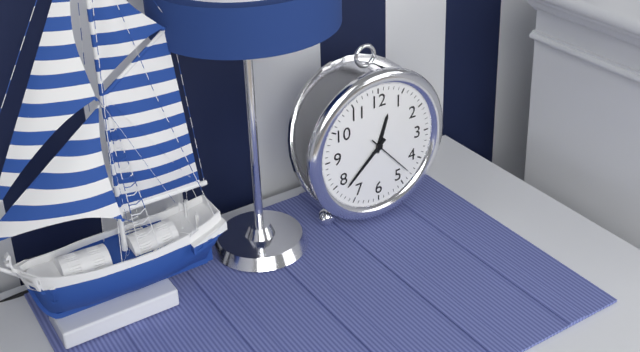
12 h 38 min
